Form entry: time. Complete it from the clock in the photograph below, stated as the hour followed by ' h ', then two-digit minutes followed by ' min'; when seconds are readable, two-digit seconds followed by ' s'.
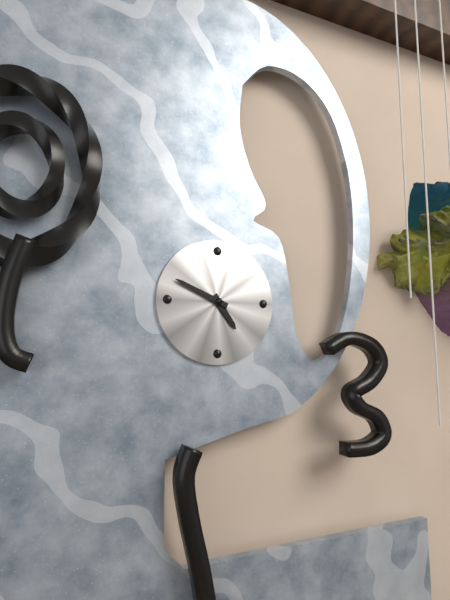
4 h 49 min
